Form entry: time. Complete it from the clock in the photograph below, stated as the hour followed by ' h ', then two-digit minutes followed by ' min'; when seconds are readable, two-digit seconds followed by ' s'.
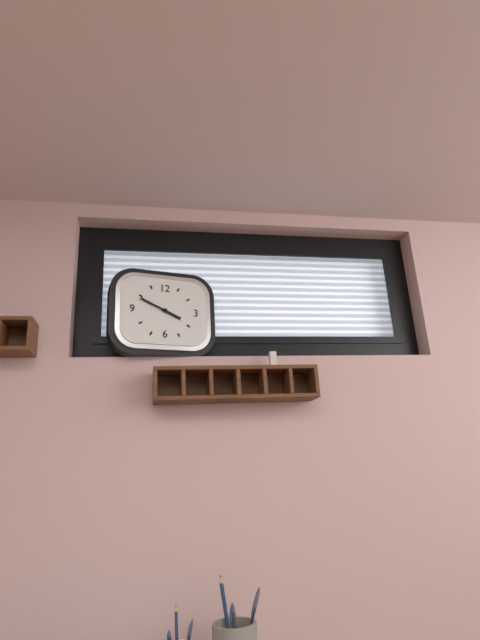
3 h 49 min
